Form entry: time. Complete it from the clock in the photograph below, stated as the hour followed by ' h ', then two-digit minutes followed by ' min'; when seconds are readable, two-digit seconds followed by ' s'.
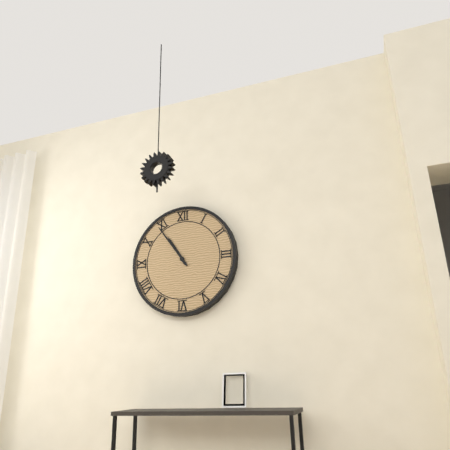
10 h 54 min
